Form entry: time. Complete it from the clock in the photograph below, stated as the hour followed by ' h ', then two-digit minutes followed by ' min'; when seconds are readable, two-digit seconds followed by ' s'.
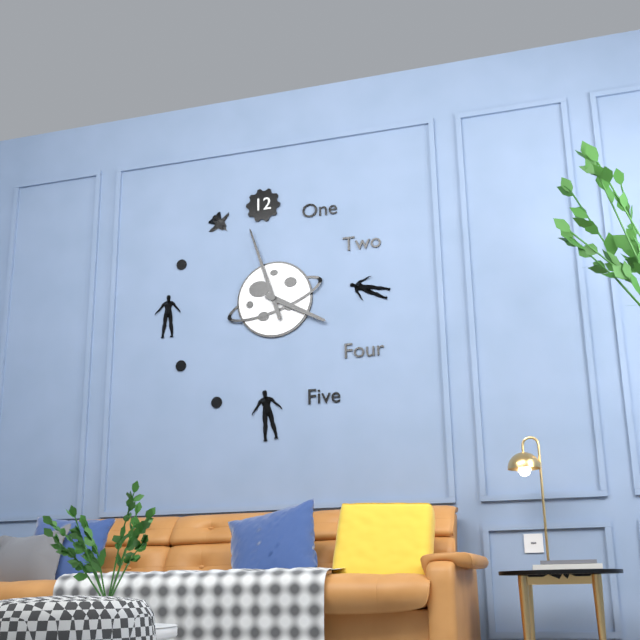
3 h 57 min
